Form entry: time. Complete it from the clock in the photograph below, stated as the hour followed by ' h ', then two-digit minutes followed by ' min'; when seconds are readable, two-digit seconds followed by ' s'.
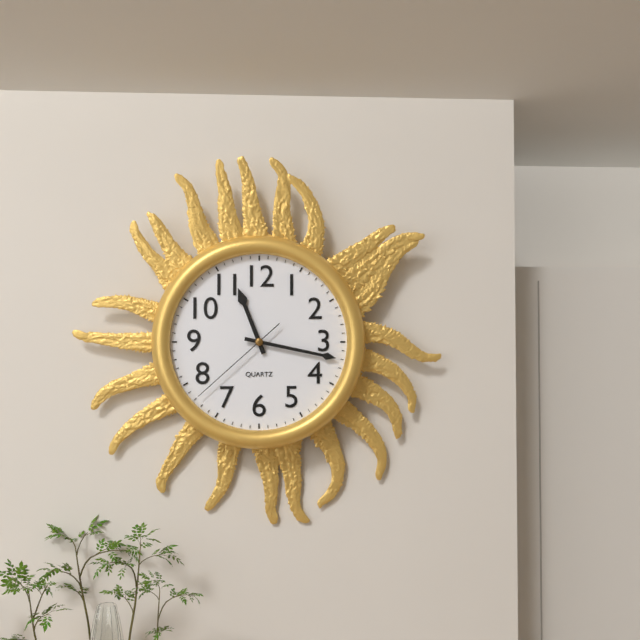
11 h 17 min 38 s
